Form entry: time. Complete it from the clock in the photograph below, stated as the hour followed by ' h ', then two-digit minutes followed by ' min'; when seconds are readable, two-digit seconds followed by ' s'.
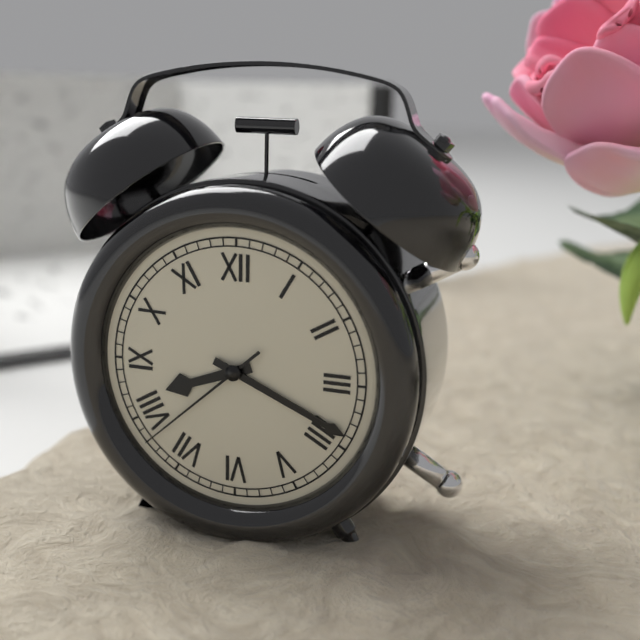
8 h 19 min 38 s
